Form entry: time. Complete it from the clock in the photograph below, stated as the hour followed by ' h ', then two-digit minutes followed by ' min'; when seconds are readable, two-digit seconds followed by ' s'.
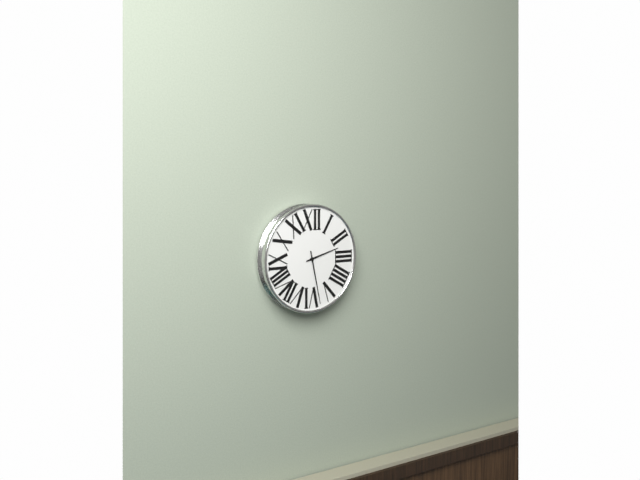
2 h 28 min
